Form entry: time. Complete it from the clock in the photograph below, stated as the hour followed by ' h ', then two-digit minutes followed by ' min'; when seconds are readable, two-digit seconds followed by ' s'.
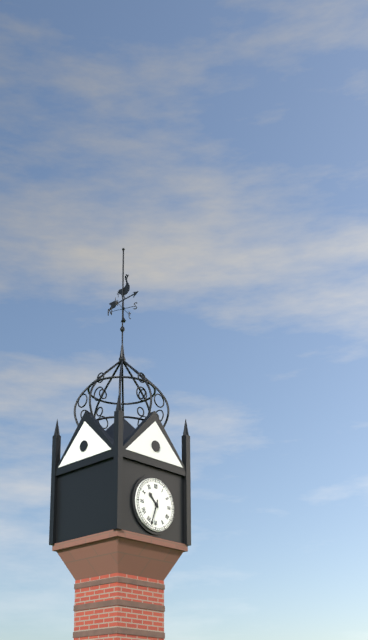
10 h 33 min
